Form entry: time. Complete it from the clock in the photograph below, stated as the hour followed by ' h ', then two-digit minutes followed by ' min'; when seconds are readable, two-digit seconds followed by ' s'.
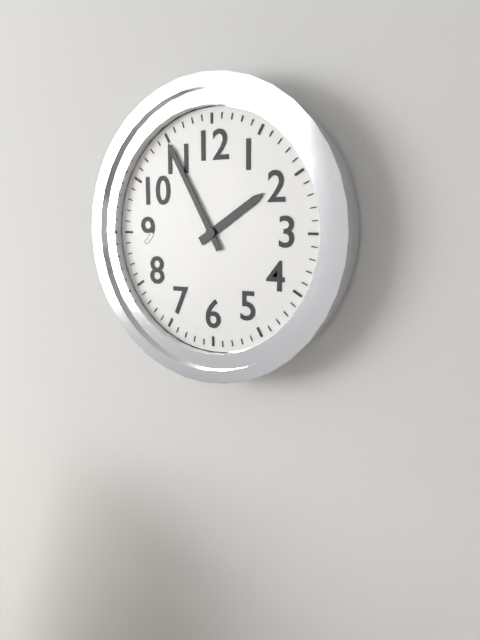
1 h 55 min
